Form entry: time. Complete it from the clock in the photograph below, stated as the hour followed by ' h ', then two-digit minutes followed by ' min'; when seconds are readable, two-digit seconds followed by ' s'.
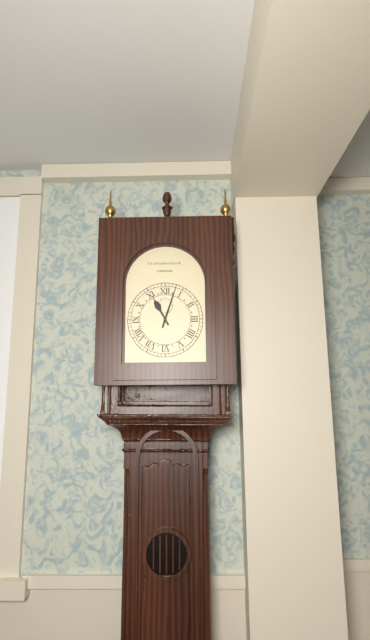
11 h 03 min
